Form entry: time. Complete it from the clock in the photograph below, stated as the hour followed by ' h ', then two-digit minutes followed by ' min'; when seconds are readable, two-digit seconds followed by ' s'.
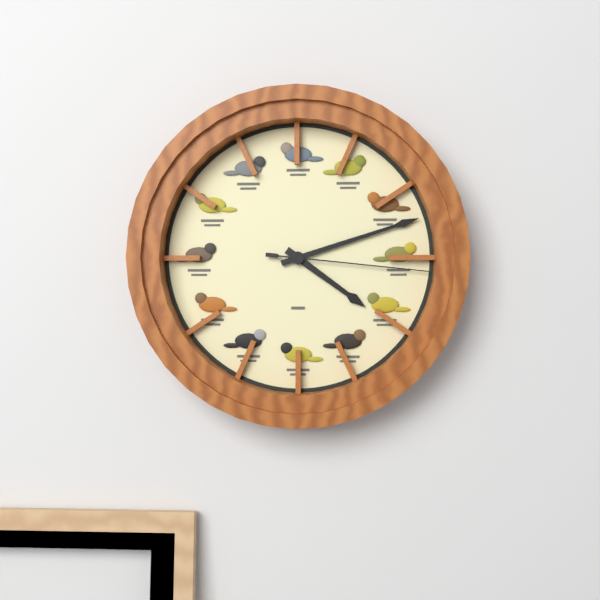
4 h 12 min 16 s
